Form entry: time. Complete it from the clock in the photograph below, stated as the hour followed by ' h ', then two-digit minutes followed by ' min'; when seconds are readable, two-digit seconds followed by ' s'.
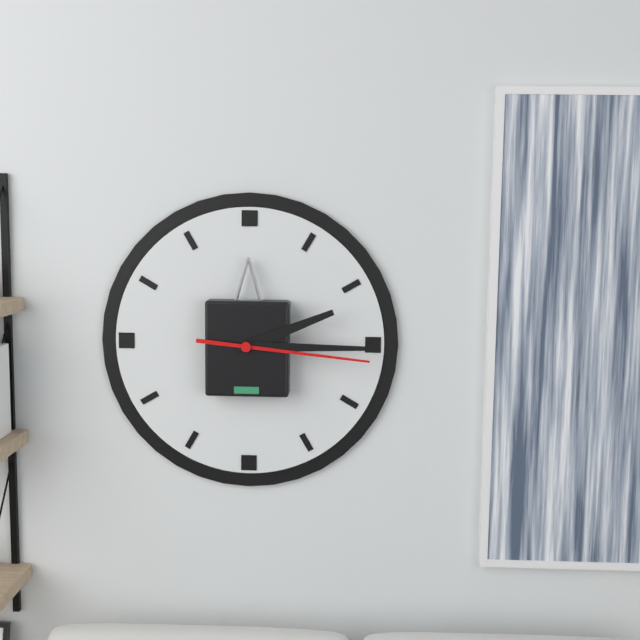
2 h 15 min 16 s
